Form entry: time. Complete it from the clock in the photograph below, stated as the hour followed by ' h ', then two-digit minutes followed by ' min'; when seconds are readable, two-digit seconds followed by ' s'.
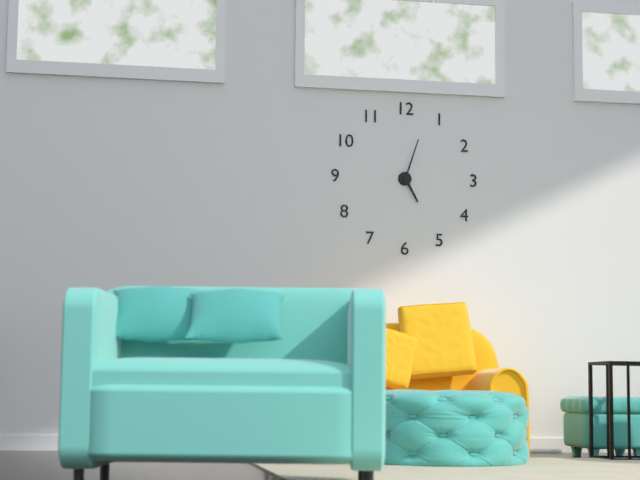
5 h 03 min
